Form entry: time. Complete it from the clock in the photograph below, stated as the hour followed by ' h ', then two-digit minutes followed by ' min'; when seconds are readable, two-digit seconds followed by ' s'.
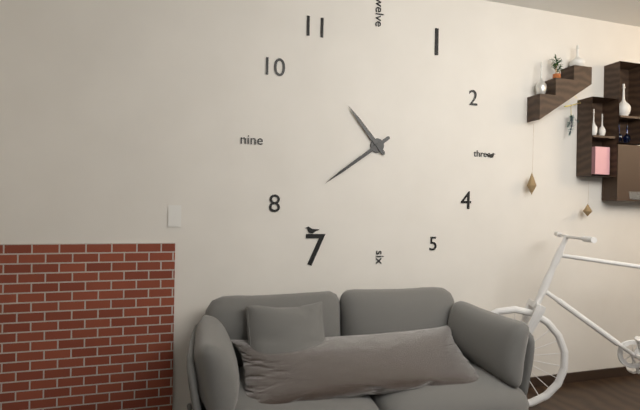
10 h 39 min
